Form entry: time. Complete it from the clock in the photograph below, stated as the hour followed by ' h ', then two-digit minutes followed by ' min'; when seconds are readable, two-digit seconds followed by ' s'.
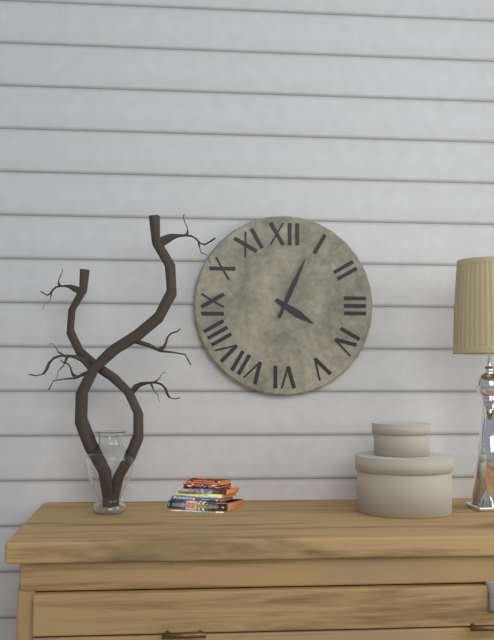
4 h 04 min
